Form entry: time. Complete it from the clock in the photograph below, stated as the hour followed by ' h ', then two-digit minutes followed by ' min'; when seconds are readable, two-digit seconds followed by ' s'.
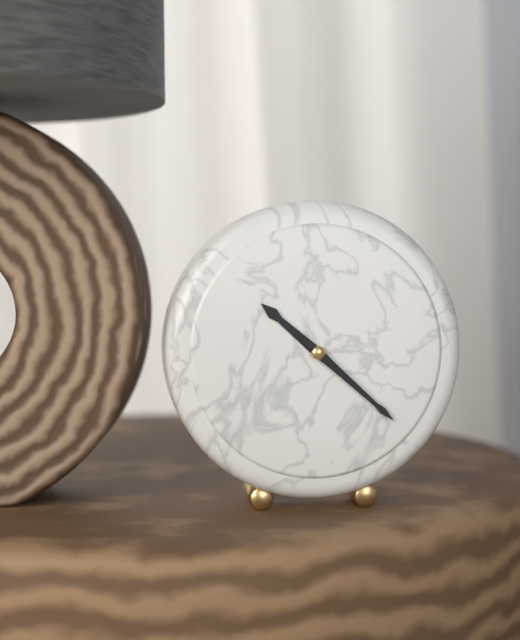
10 h 22 min
